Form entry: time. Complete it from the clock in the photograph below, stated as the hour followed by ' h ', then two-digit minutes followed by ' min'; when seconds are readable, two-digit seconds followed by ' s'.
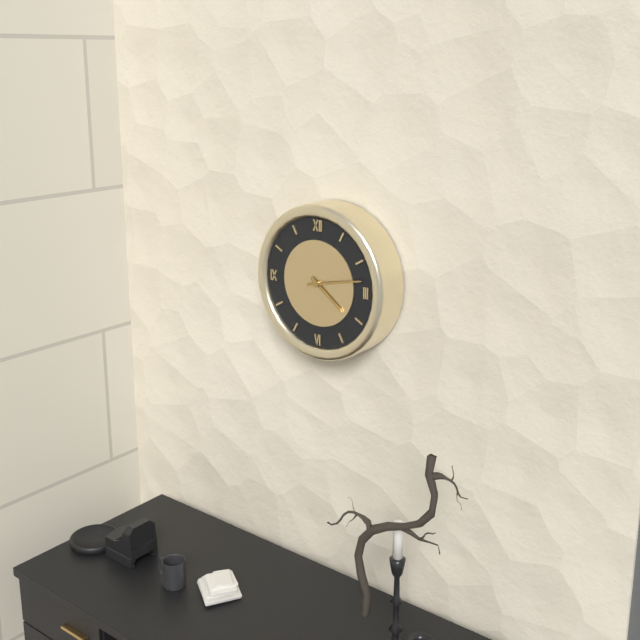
4 h 13 min
